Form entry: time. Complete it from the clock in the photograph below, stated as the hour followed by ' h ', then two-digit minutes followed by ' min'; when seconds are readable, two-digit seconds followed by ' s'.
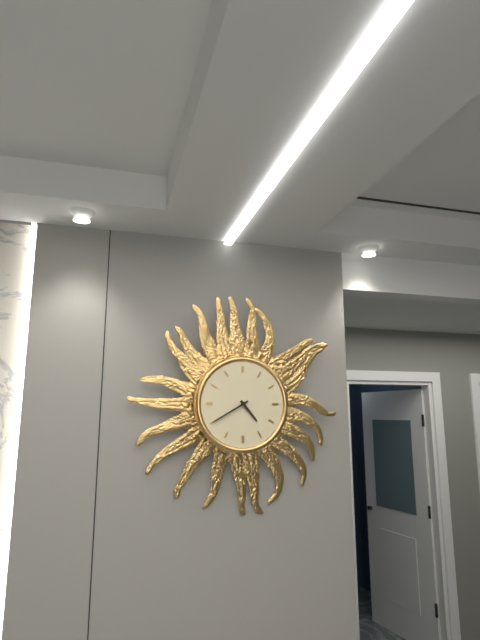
4 h 40 min
